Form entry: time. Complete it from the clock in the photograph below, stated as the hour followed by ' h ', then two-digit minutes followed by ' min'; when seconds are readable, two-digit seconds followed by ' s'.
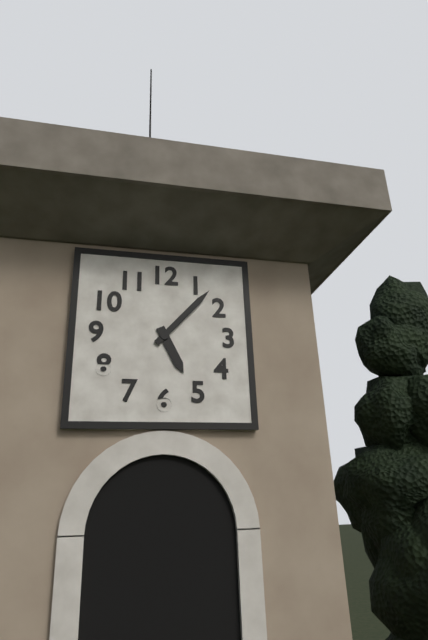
5 h 07 min
